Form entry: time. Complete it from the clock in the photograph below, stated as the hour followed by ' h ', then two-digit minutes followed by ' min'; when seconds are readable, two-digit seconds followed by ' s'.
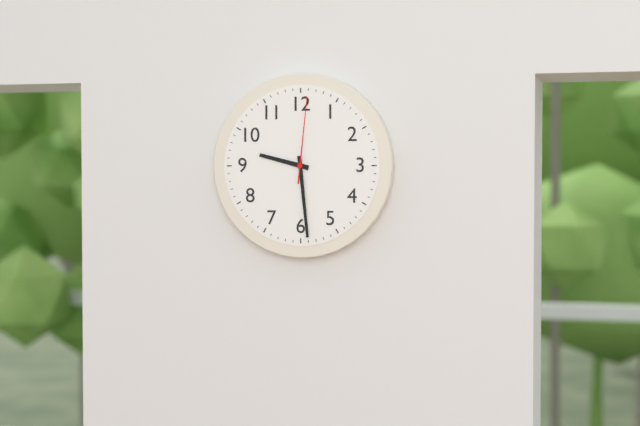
9 h 29 min 01 s
